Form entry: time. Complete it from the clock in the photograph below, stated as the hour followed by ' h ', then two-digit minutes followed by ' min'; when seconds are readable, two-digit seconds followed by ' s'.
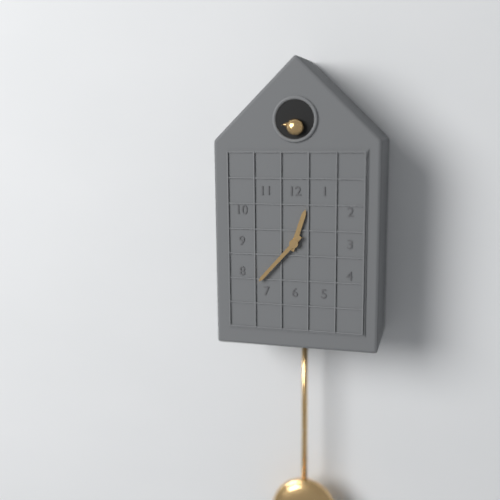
12 h 37 min
